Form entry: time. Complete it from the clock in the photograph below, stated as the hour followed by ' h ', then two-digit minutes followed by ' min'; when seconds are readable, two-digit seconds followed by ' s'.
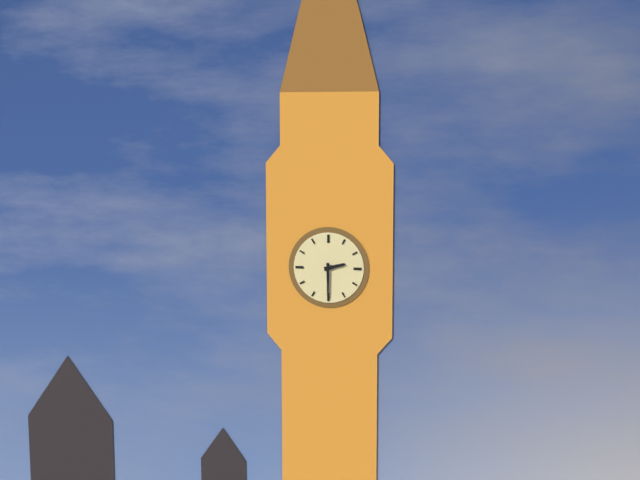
2 h 30 min
